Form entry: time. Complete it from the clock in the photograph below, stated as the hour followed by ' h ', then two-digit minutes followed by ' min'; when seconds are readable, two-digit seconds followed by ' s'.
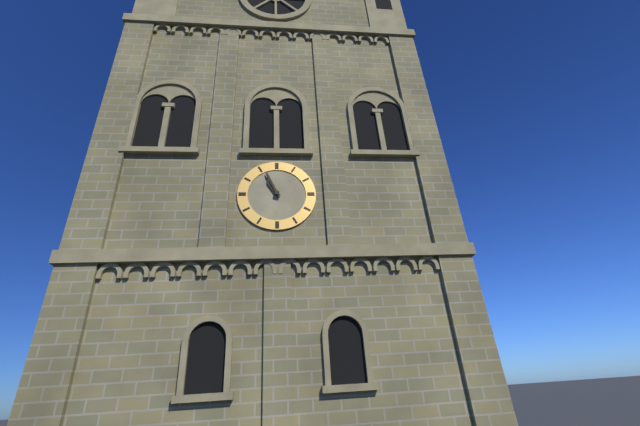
10 h 56 min
